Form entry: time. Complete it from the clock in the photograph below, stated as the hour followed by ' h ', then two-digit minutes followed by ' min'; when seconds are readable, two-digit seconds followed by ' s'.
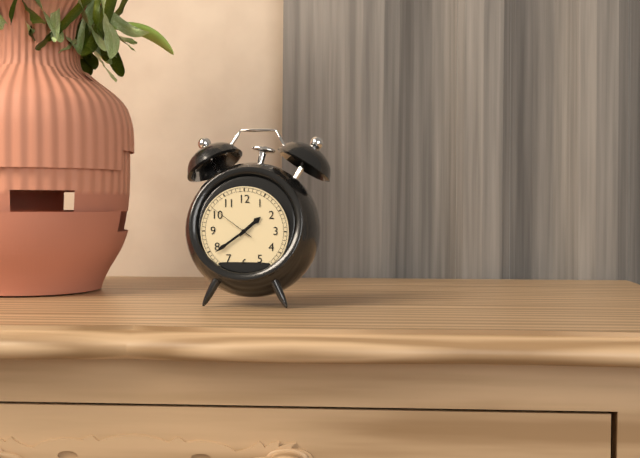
1 h 39 min
